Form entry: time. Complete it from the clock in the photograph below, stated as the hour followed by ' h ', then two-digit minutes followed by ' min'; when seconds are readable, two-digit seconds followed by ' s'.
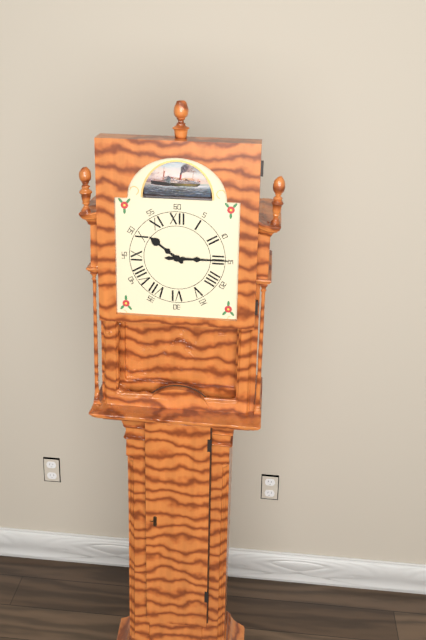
10 h 15 min
